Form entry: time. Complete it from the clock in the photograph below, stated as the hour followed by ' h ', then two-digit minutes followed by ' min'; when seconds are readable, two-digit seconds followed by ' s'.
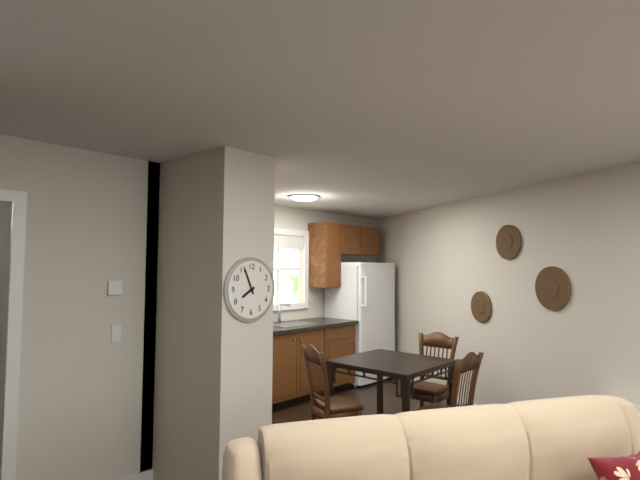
7 h 56 min
